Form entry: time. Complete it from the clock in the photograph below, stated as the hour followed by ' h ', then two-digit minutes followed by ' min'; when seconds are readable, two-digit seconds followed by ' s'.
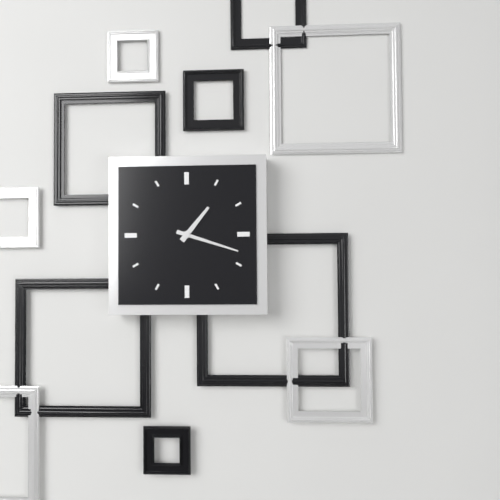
1 h 18 min
